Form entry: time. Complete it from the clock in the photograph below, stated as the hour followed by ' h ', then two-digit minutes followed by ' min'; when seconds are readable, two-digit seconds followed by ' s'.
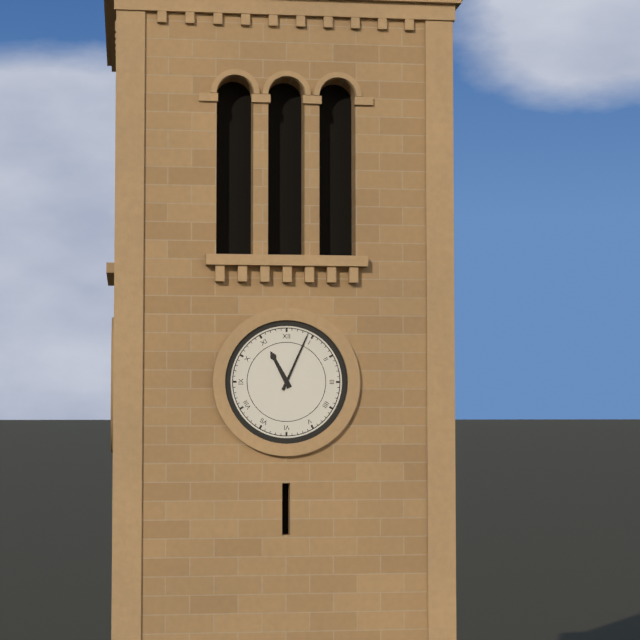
11 h 04 min
